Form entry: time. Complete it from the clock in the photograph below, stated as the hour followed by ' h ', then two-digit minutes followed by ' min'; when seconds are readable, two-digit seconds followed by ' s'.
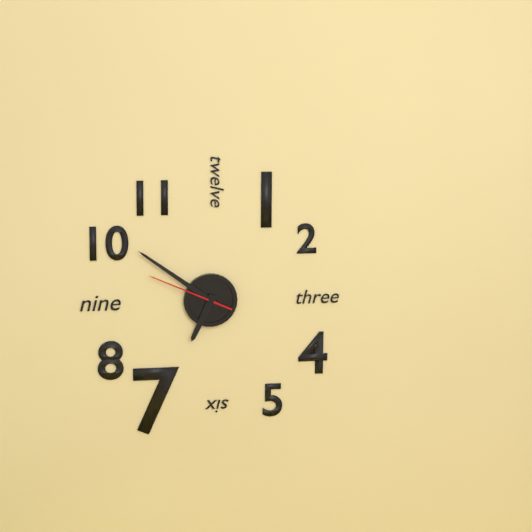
6 h 51 min 49 s
